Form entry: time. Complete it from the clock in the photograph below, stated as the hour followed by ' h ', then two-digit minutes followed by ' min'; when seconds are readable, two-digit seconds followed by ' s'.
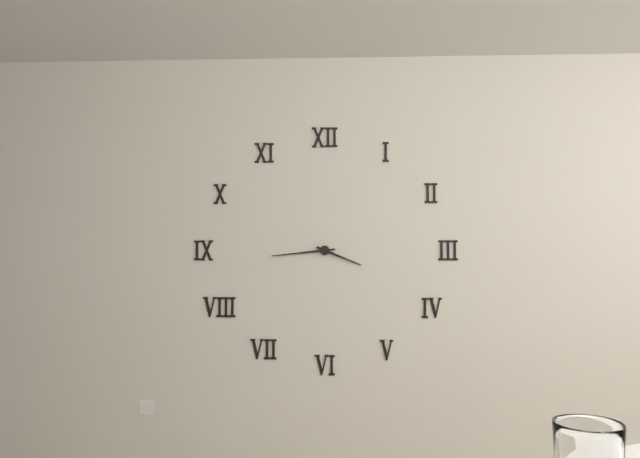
3 h 44 min
